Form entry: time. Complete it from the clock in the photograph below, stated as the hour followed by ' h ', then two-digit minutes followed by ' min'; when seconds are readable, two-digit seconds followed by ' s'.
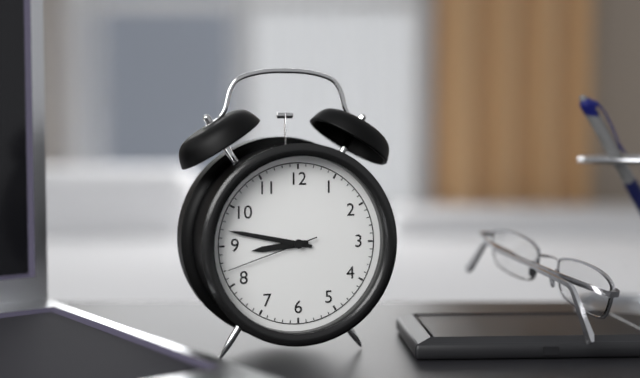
8 h 47 min 42 s
